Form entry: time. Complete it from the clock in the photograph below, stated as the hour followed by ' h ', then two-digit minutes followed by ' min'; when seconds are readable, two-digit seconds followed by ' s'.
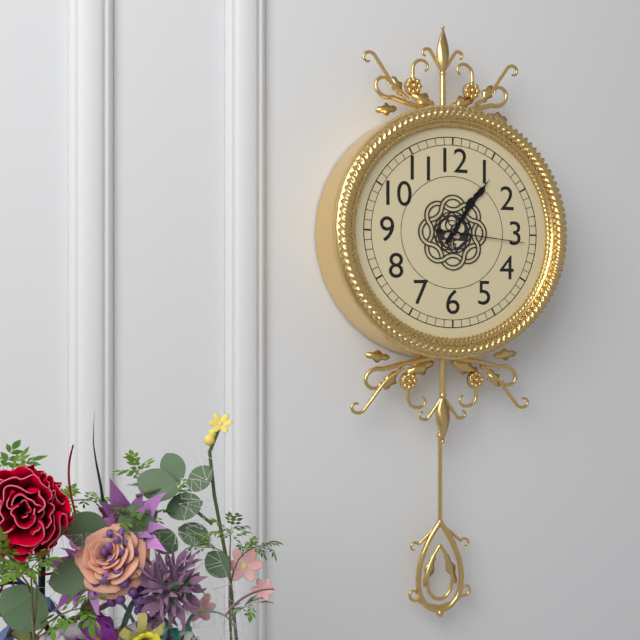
1 h 06 min 16 s
